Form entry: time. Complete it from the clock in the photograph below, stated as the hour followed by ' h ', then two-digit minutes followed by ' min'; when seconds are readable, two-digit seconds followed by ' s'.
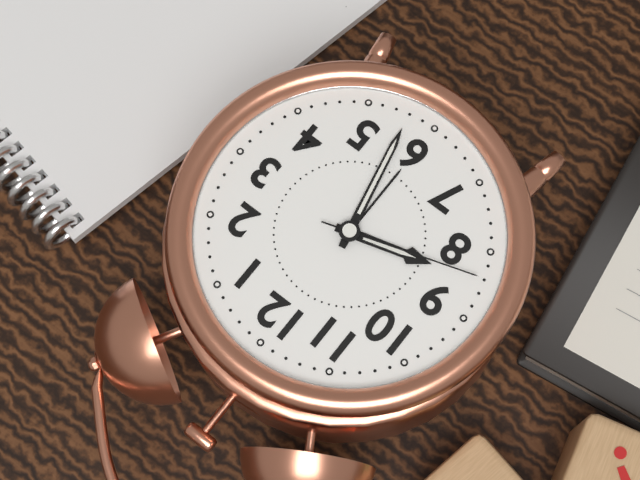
8 h 28 min 42 s
